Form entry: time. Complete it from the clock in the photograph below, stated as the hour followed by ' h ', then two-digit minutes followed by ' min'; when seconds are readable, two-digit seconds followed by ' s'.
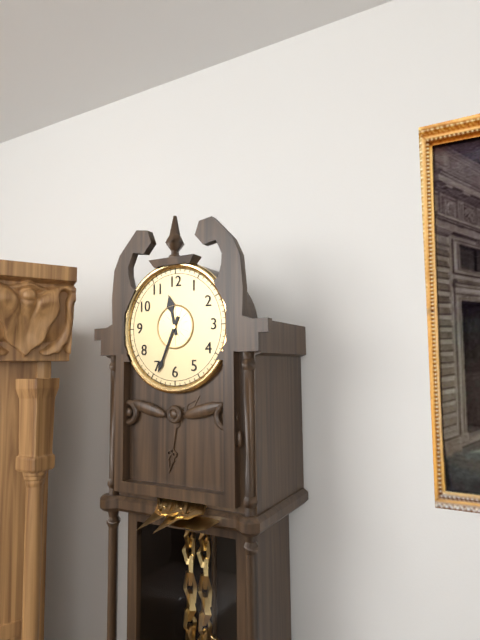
11 h 34 min
